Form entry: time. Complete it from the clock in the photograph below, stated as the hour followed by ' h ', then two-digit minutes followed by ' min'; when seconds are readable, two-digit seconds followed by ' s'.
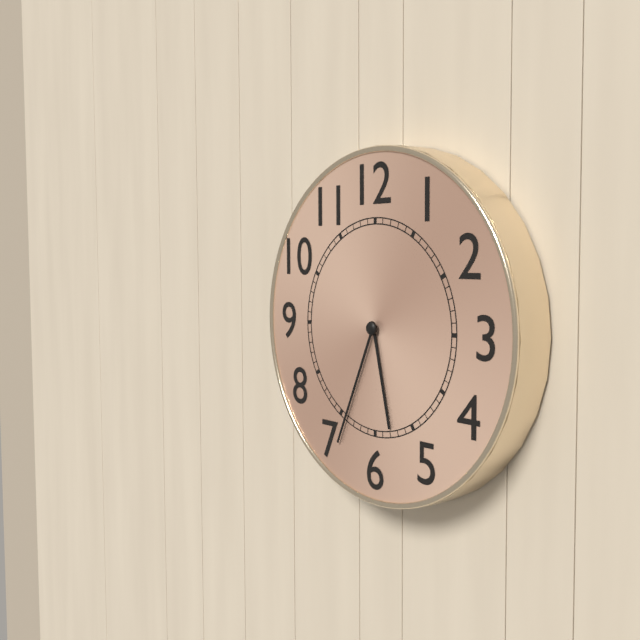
5 h 34 min
